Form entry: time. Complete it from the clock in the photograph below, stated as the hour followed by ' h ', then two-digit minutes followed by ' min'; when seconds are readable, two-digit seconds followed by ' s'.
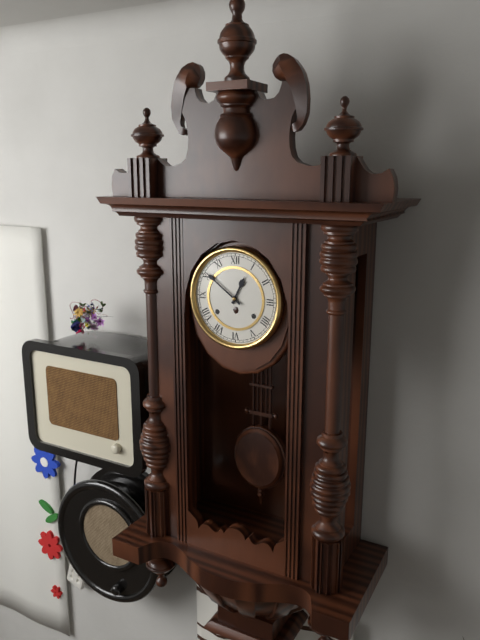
12 h 51 min
